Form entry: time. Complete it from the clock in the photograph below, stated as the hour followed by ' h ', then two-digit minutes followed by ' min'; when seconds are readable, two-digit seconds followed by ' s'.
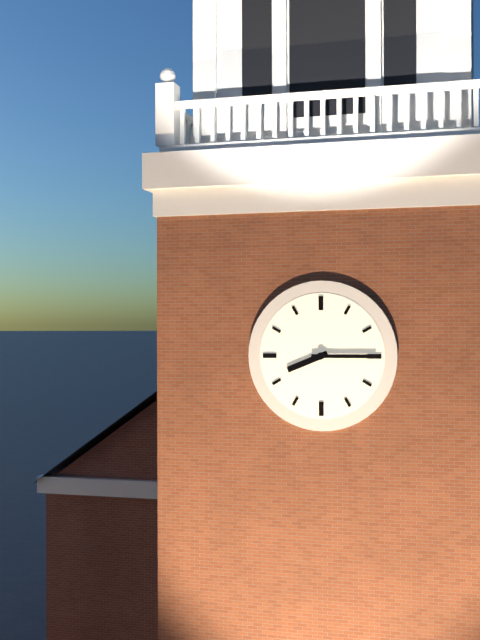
8 h 15 min
